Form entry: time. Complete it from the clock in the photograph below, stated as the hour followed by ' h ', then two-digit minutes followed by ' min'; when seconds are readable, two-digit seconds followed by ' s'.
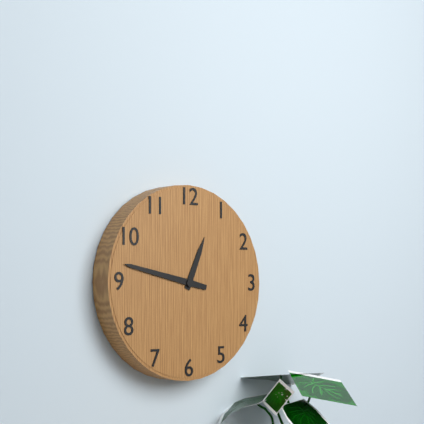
12 h 47 min
